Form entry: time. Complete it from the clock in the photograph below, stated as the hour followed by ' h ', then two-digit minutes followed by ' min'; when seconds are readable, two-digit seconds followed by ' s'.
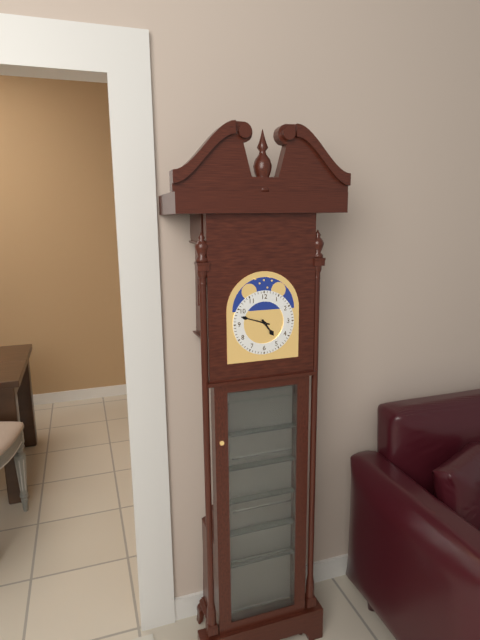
4 h 48 min
